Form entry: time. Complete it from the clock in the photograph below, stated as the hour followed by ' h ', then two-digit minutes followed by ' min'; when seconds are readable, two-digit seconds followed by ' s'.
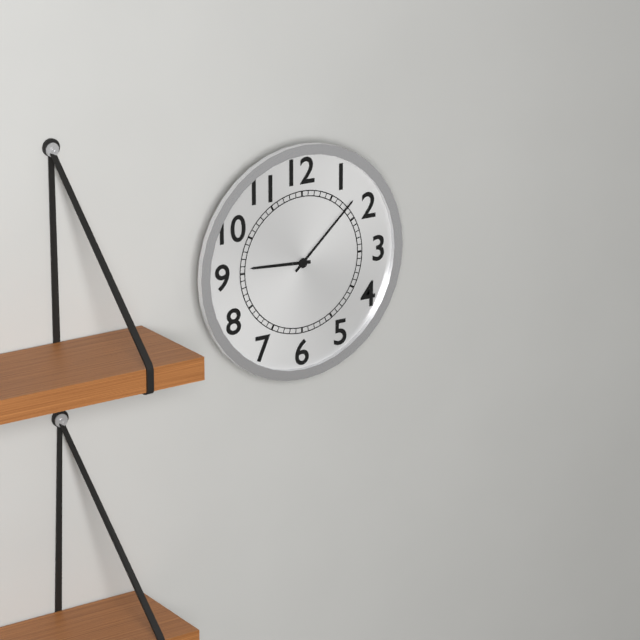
9 h 08 min
